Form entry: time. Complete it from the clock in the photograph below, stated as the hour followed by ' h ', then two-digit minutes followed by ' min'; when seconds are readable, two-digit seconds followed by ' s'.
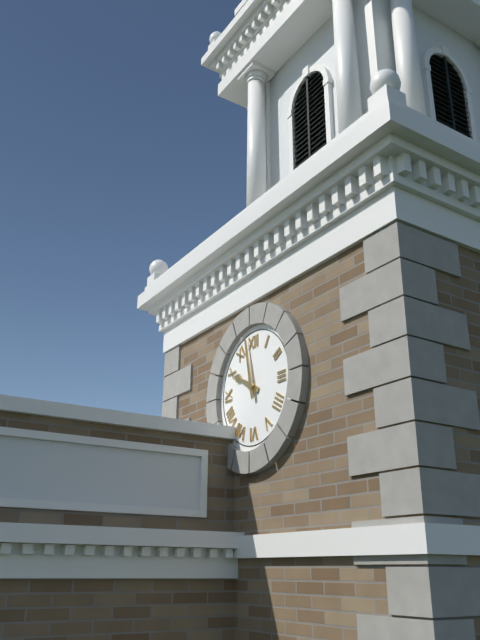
9 h 58 min
